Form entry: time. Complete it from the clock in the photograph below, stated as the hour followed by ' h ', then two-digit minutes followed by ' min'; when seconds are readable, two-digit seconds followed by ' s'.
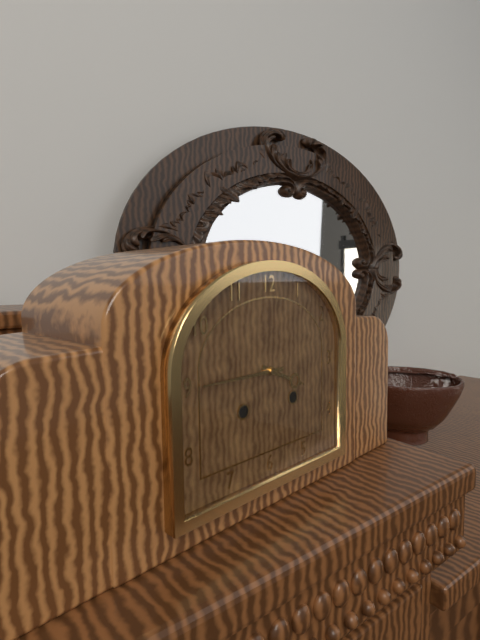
3 h 45 min
